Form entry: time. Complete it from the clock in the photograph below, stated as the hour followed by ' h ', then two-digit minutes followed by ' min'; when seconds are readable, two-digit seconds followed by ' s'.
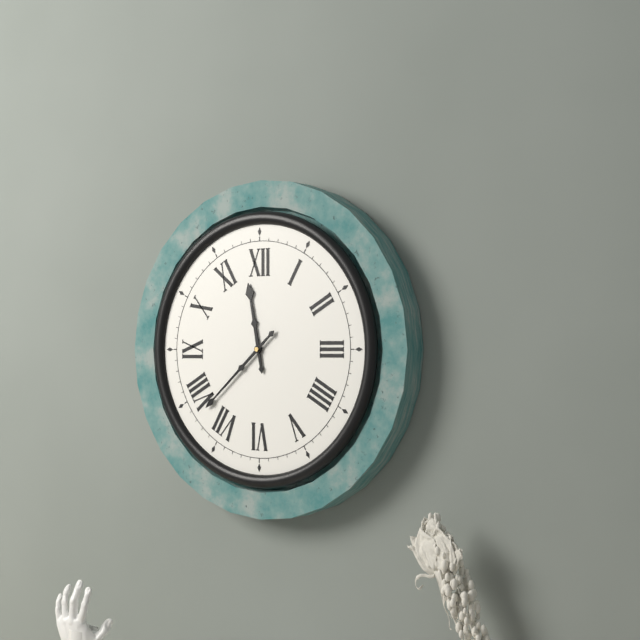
11 h 38 min
